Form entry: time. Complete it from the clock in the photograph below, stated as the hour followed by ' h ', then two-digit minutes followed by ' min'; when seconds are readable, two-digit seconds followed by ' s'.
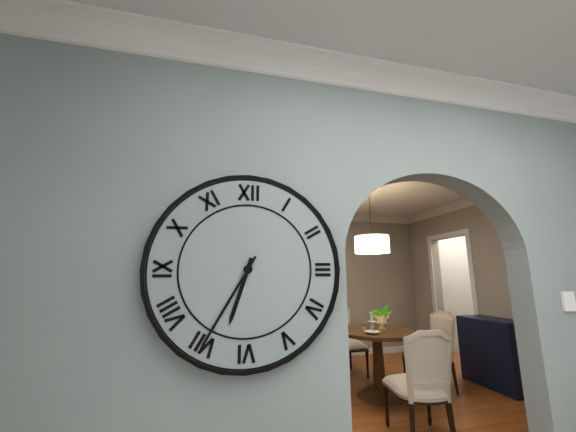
6 h 35 min
